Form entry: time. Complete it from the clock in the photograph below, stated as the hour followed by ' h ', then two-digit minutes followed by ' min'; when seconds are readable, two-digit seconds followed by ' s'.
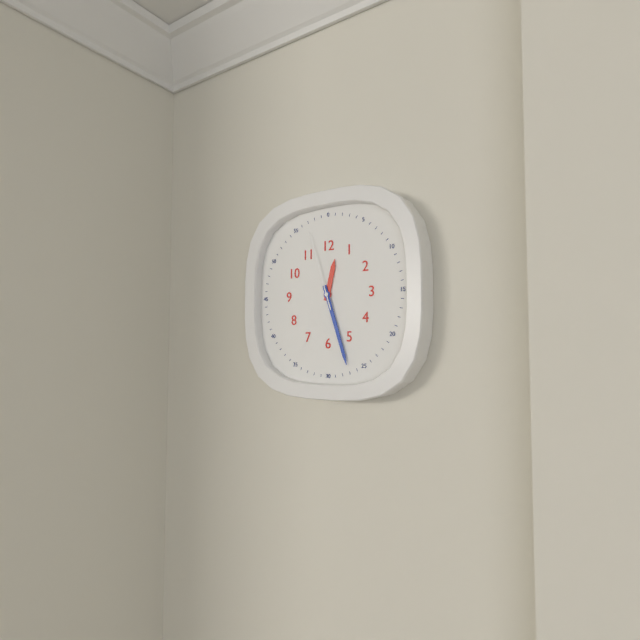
12 h 27 min 57 s
